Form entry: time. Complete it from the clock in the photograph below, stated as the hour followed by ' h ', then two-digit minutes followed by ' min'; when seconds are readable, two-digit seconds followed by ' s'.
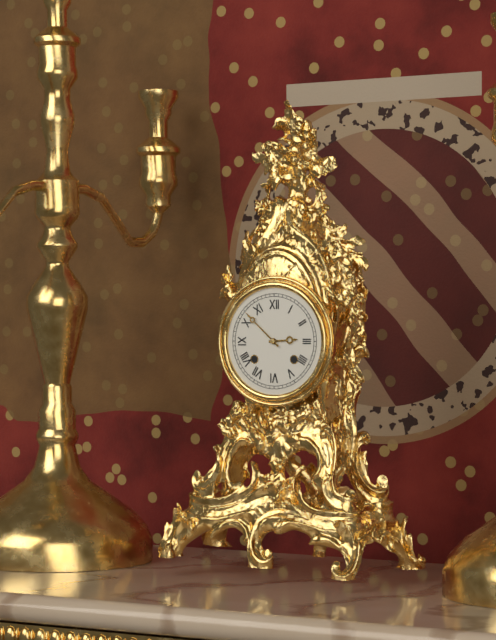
2 h 52 min
